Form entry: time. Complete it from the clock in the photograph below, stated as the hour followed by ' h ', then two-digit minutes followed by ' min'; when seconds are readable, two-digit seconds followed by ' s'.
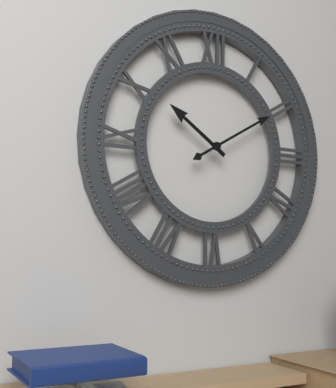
10 h 10 min
